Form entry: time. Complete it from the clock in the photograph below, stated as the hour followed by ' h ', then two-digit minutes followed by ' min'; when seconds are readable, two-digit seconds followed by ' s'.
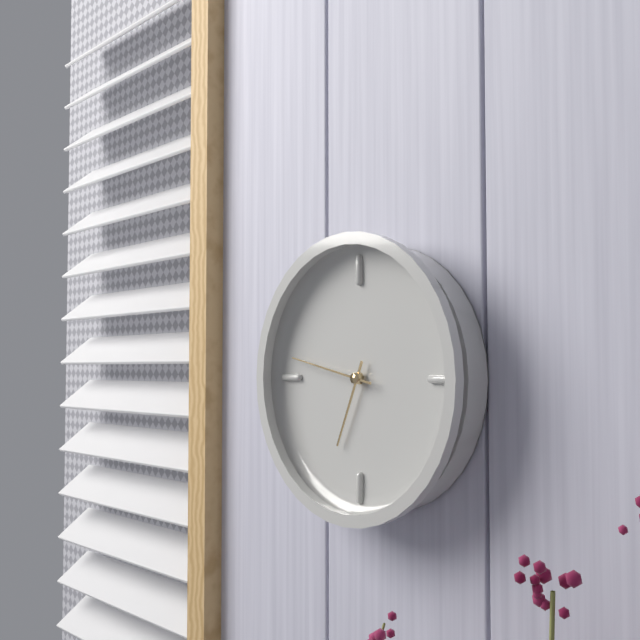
6 h 47 min
